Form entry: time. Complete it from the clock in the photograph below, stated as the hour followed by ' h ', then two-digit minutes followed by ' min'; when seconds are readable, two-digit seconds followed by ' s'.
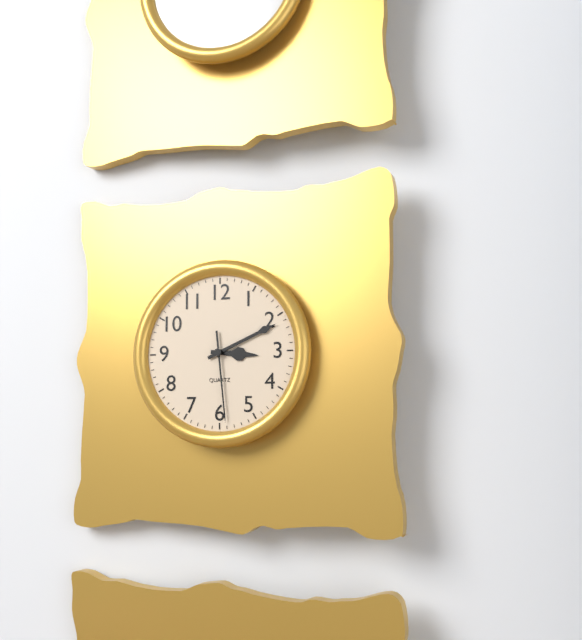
3 h 11 min 29 s
